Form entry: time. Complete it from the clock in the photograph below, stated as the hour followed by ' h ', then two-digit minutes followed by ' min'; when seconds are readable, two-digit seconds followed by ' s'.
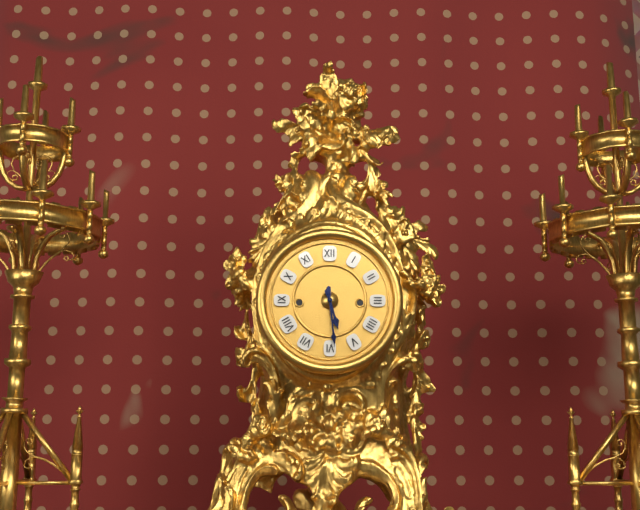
5 h 29 min
